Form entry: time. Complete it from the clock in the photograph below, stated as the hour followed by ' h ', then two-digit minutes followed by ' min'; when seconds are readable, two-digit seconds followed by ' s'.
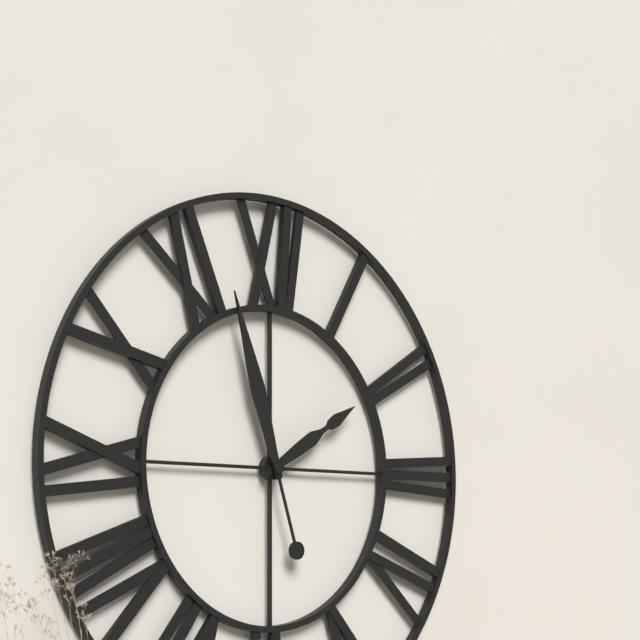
1 h 57 min
